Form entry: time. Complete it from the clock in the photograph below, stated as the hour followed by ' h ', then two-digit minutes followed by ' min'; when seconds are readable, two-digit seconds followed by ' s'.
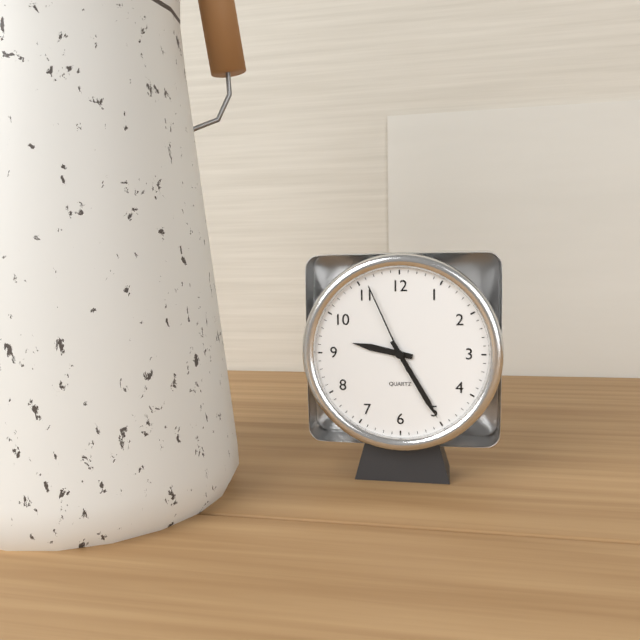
9 h 25 min 56 s
